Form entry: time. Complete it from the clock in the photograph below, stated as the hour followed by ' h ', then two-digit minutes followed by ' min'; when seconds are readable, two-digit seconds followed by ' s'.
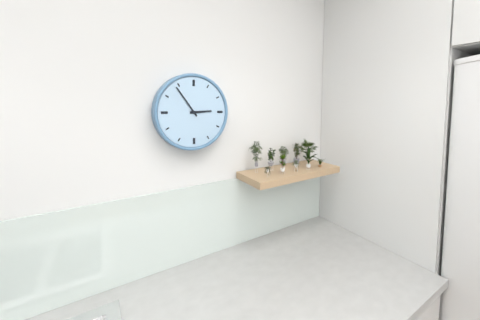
2 h 54 min
